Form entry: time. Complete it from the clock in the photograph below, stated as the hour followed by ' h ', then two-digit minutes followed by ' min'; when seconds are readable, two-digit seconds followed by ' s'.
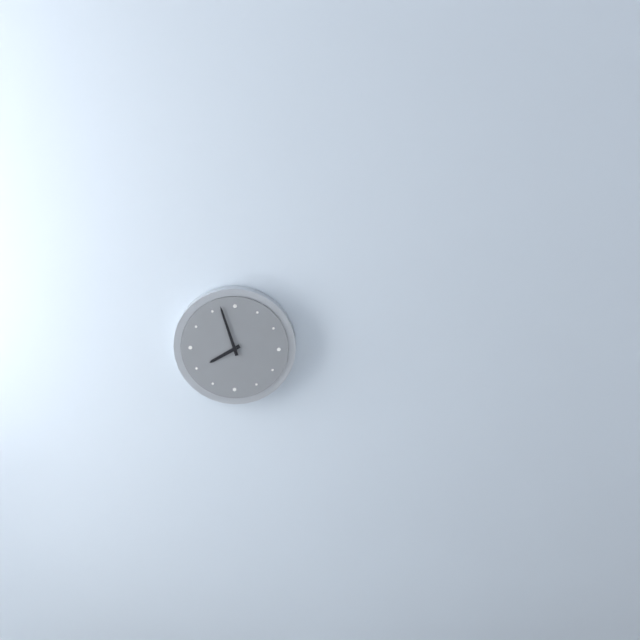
7 h 57 min
